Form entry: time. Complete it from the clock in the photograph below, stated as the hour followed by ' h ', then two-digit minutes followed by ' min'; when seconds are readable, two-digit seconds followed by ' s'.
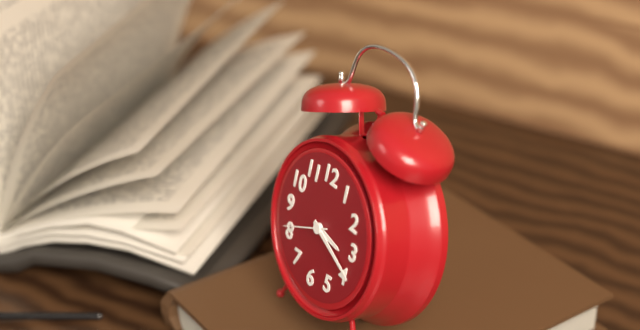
3 h 19 min
